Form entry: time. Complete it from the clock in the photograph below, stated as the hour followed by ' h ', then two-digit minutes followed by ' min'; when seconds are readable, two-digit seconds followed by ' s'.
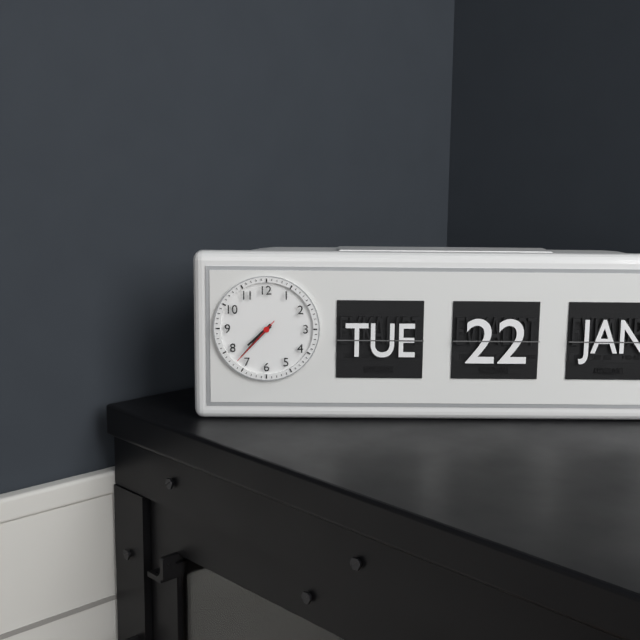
7 h 37 min 37 s
